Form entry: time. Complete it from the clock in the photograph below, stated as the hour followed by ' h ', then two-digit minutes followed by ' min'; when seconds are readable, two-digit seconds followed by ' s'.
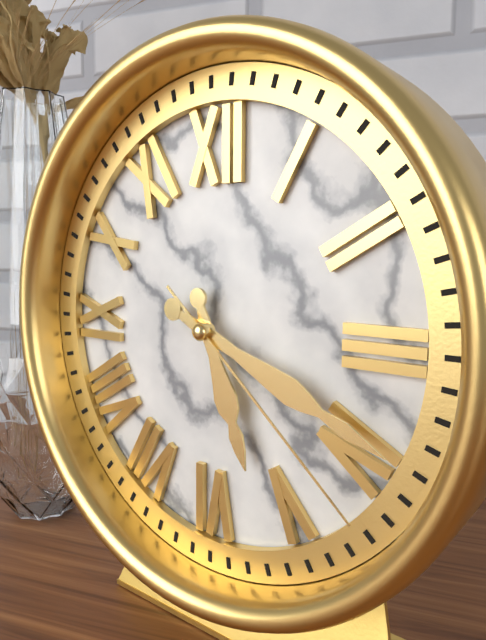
5 h 19 min 22 s
